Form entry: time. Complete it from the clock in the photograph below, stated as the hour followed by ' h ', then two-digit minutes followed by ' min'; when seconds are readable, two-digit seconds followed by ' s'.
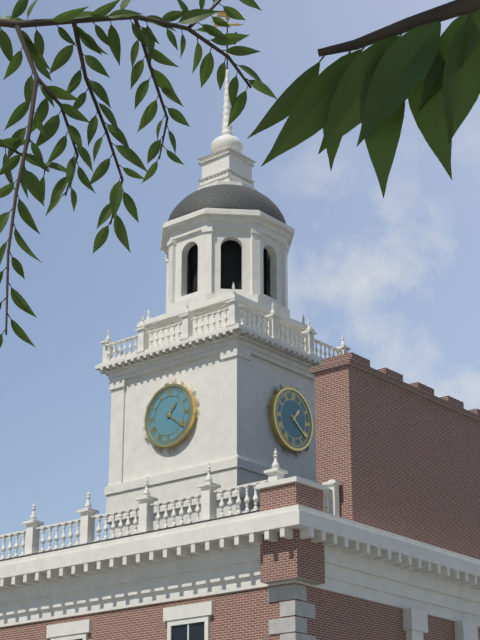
1 h 21 min
